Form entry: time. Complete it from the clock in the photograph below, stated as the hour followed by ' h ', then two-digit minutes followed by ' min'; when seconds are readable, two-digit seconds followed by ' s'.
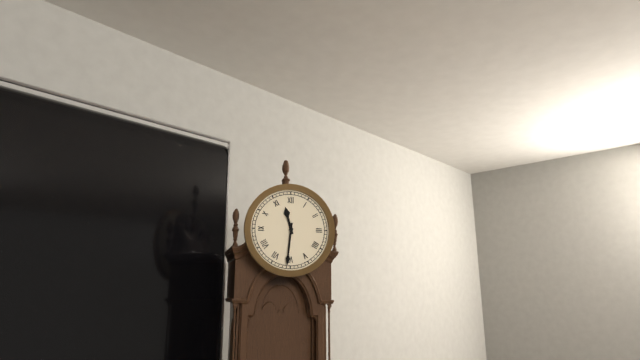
11 h 31 min
